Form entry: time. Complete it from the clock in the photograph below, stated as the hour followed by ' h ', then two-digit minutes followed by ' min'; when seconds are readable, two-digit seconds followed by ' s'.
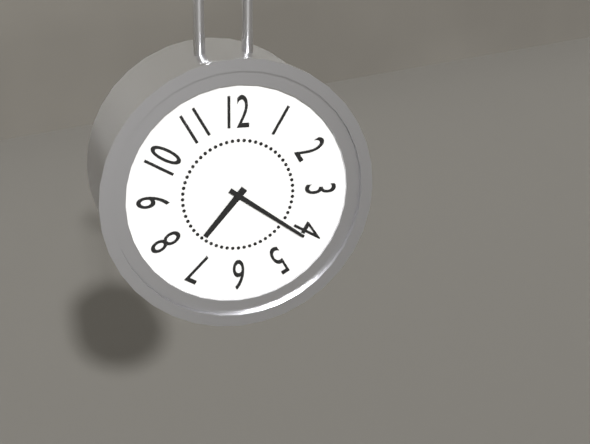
7 h 21 min
